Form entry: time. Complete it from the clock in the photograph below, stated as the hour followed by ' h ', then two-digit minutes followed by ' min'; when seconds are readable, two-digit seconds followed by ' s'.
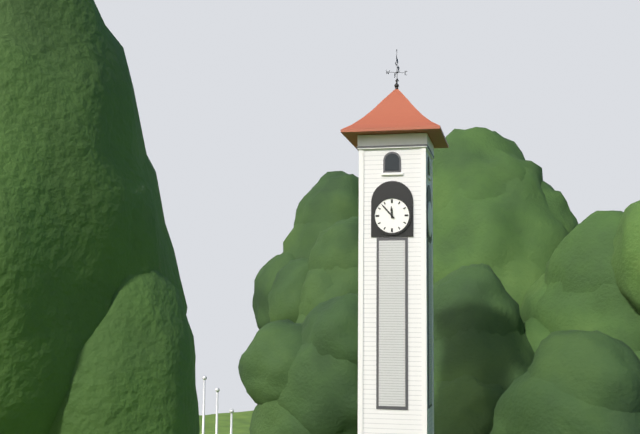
11 h 53 min
